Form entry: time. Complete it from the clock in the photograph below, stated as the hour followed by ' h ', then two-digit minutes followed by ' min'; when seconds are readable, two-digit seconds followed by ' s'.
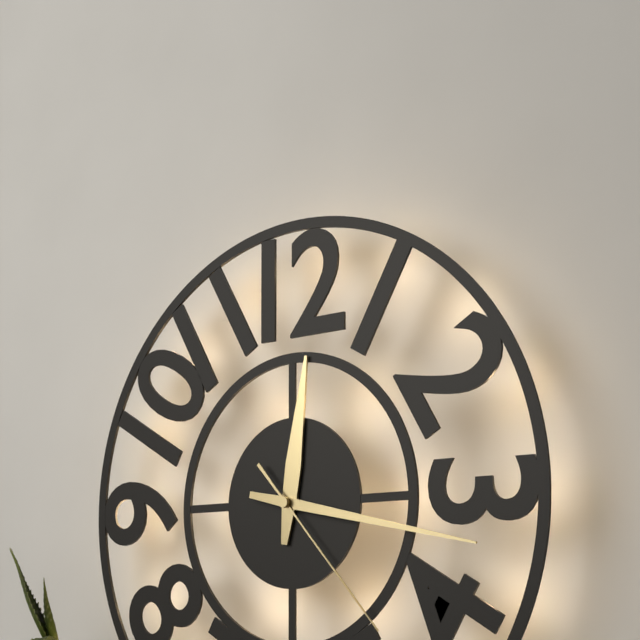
12 h 17 min 23 s
